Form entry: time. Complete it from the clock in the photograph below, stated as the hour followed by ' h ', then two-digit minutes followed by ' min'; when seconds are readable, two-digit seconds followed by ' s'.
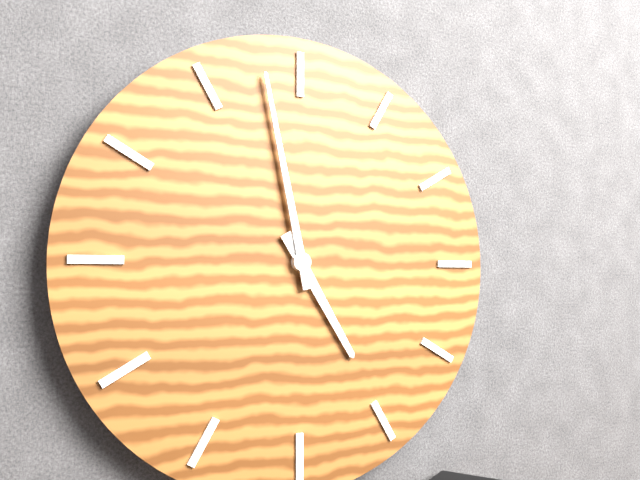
4 h 58 min
